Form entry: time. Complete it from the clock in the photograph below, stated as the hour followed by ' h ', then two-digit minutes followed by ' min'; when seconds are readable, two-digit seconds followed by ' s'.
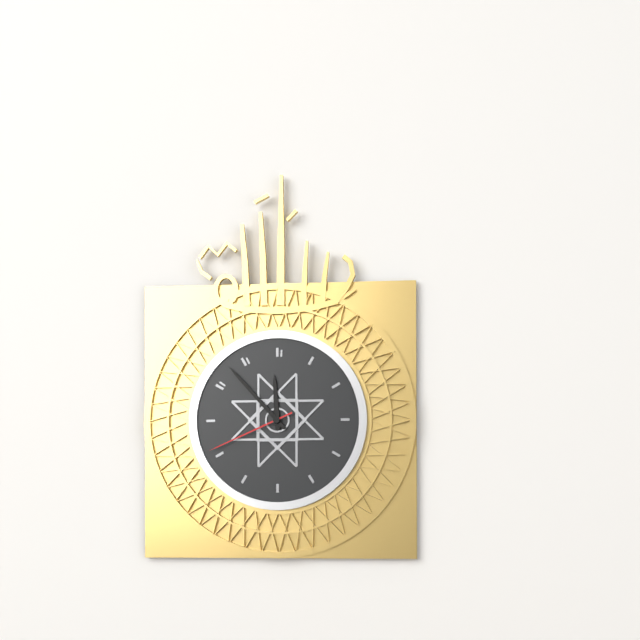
11 h 53 min 41 s
